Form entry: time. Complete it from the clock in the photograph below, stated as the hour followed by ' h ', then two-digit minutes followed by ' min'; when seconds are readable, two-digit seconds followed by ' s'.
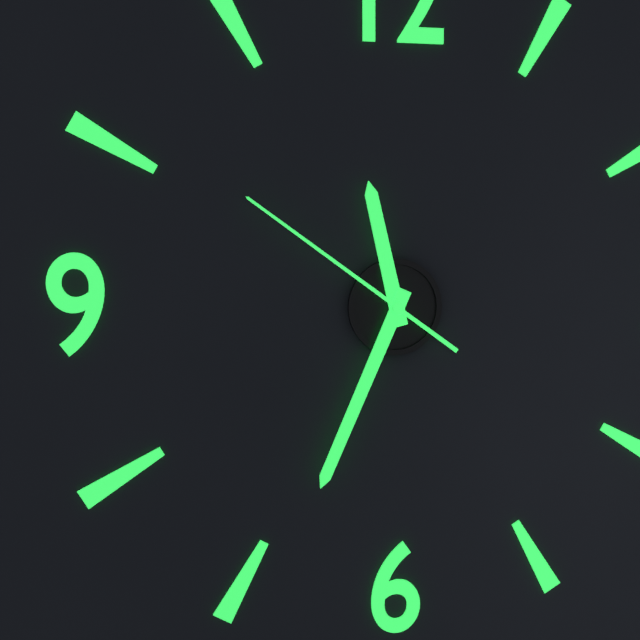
11 h 34 min 51 s
